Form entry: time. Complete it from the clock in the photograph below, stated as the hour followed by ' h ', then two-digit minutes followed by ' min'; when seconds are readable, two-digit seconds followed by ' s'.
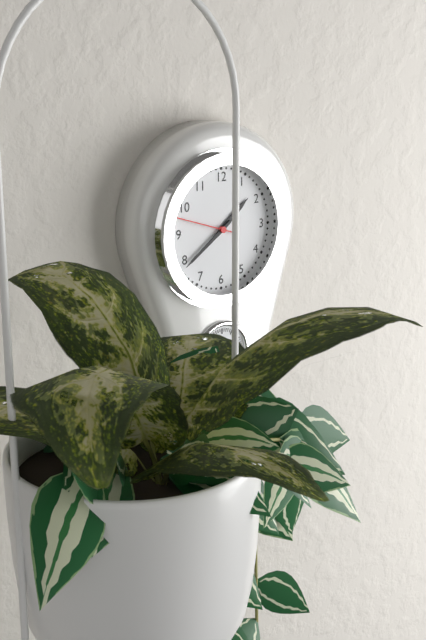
1 h 39 min 48 s
